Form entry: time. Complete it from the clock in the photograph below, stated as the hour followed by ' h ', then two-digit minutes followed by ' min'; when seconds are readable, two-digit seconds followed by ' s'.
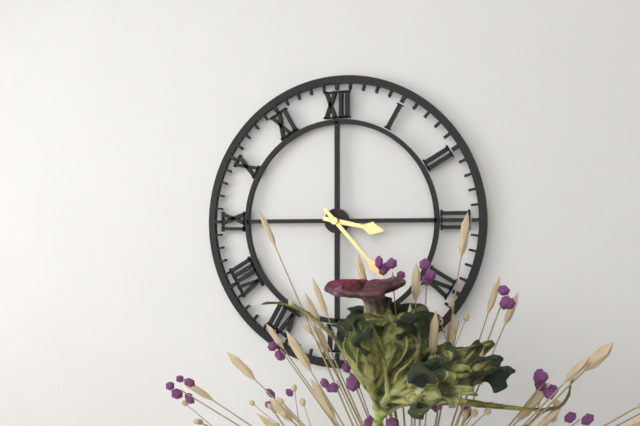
3 h 23 min
